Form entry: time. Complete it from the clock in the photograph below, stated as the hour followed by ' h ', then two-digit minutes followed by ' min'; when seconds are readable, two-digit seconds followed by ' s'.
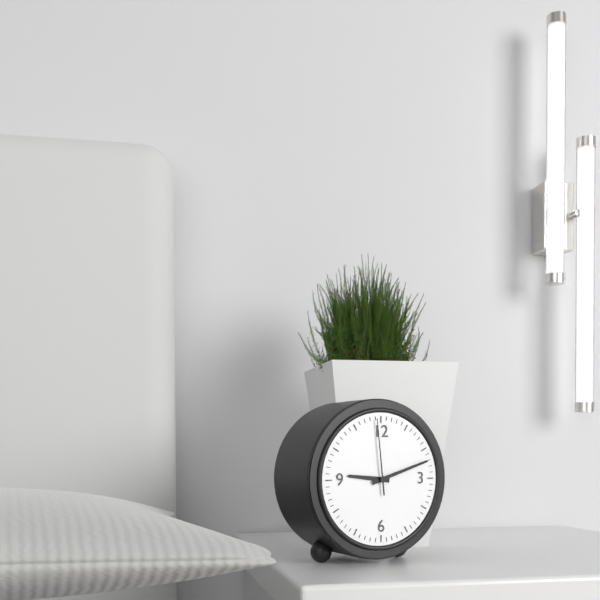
9 h 12 min 59 s
